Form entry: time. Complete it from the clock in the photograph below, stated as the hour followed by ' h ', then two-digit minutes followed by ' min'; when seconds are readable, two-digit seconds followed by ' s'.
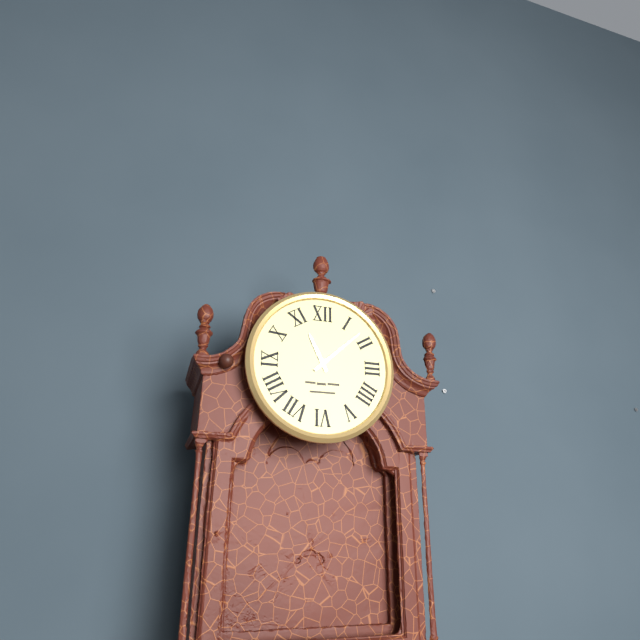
11 h 08 min
